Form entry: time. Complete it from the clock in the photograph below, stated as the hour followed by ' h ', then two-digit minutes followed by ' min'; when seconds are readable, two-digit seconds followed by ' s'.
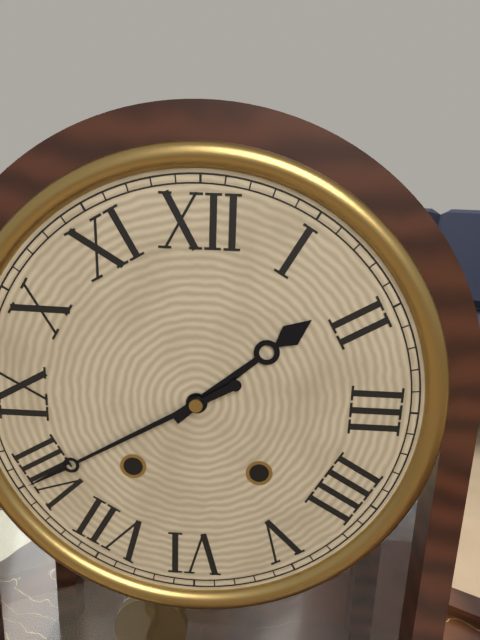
1 h 40 min
